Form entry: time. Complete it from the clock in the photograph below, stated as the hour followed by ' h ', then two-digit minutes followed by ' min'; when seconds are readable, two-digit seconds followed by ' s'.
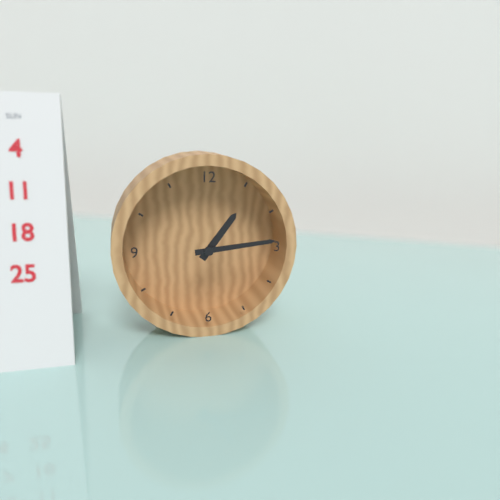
1 h 14 min
